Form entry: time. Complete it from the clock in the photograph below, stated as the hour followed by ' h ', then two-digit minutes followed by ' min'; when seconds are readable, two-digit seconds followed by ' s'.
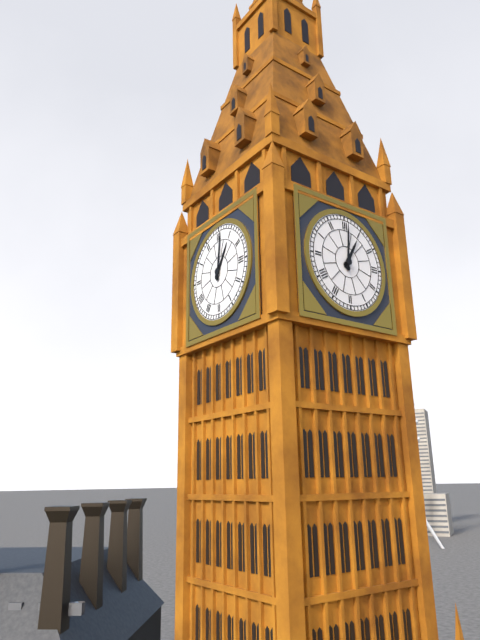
1 h 01 min
